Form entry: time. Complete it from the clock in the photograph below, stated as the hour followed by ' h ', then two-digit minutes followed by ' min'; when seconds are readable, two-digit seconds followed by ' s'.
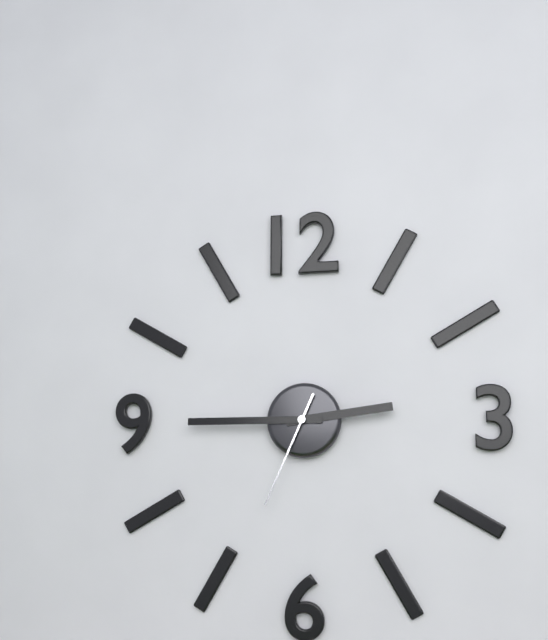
2 h 45 min 34 s
